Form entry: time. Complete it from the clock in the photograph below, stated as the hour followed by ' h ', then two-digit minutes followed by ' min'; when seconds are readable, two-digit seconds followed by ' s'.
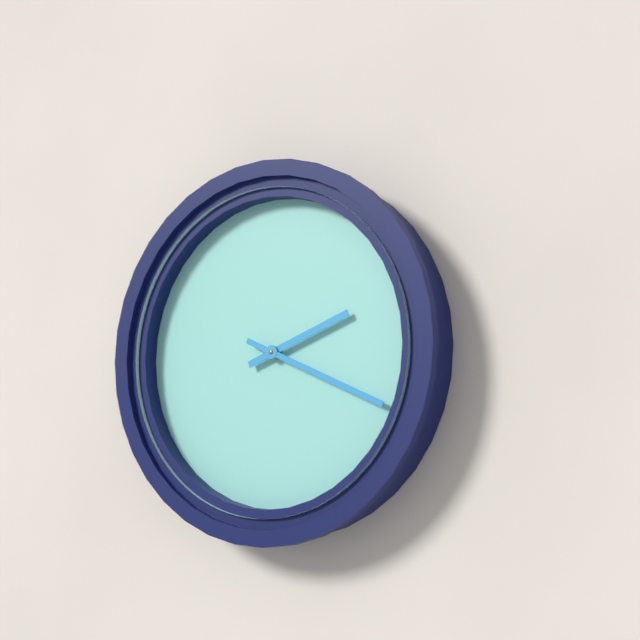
2 h 19 min
